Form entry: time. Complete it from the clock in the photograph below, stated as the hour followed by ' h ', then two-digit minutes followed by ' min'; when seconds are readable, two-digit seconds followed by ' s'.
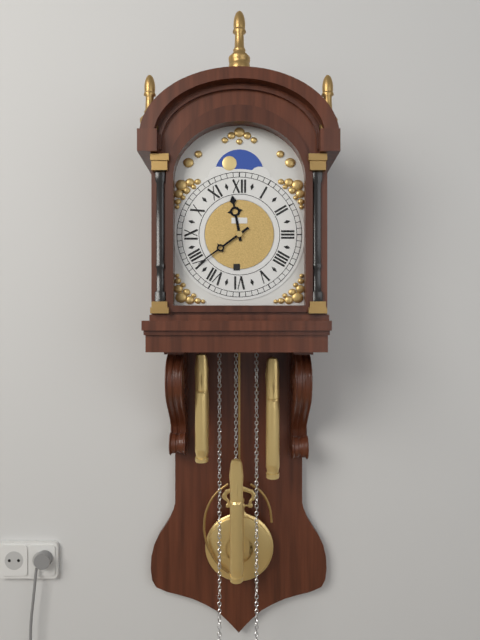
11 h 39 min
